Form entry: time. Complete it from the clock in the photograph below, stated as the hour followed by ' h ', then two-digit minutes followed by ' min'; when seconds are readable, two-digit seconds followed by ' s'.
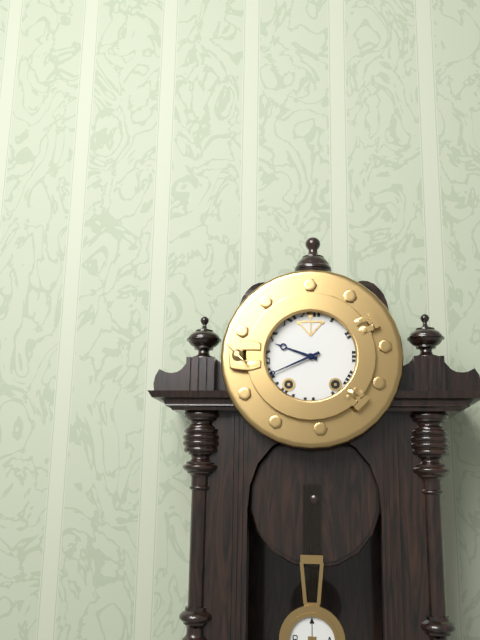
9 h 41 min
